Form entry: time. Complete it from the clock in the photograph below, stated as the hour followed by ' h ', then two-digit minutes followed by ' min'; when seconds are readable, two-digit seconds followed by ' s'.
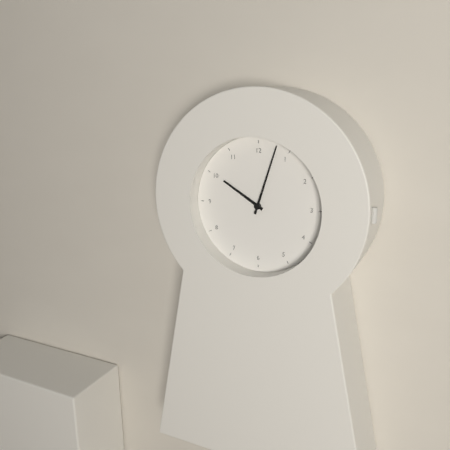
10 h 03 min
